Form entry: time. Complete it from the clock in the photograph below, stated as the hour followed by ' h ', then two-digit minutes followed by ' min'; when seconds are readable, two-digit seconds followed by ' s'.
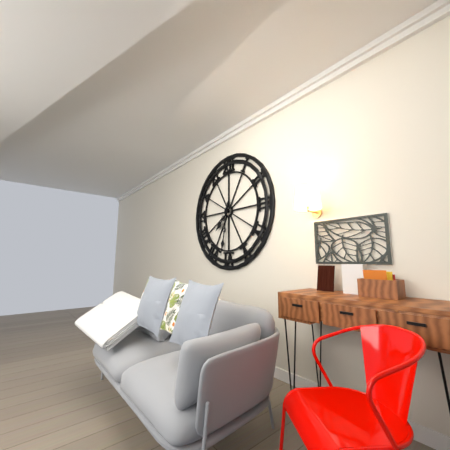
7 h 32 min
